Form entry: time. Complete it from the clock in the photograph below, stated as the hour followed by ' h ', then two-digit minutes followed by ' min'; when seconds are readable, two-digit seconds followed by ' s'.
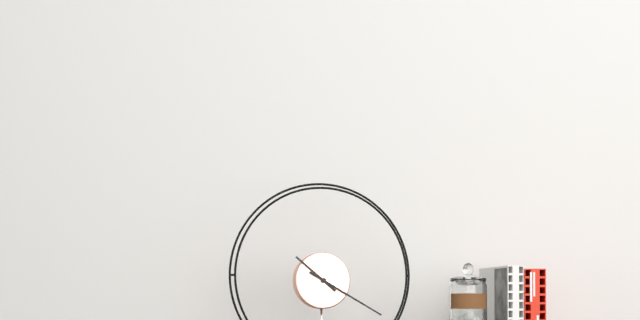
10 h 20 min
